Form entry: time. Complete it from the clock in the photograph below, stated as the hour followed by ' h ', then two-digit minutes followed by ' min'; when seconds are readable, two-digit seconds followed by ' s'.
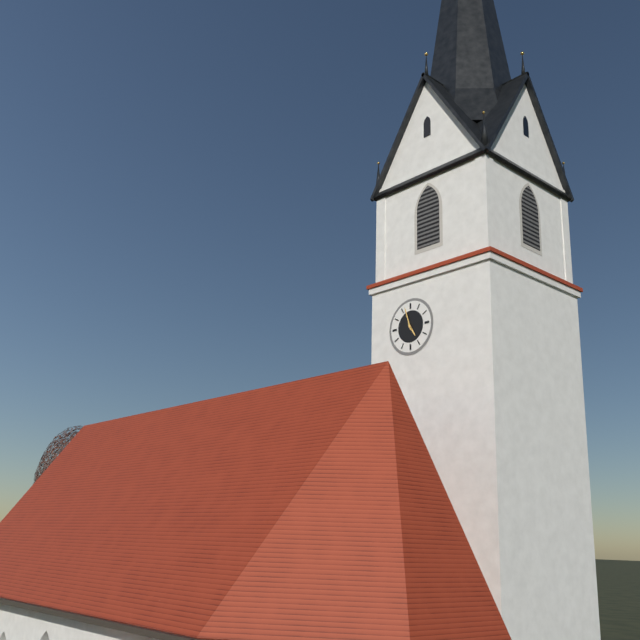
4 h 57 min
